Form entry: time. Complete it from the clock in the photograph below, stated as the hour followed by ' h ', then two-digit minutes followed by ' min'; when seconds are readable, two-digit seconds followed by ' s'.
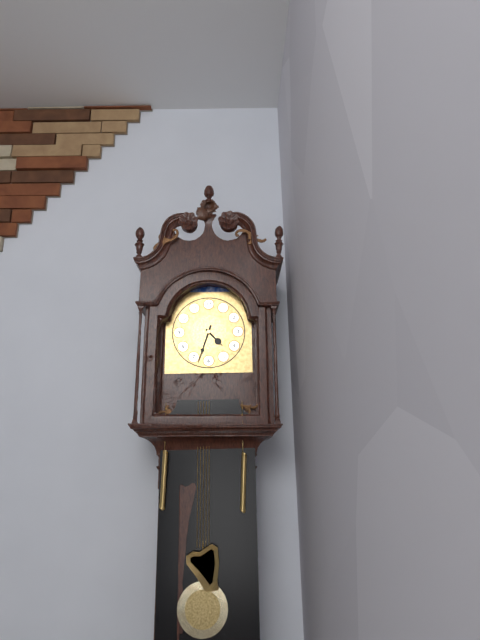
4 h 33 min
